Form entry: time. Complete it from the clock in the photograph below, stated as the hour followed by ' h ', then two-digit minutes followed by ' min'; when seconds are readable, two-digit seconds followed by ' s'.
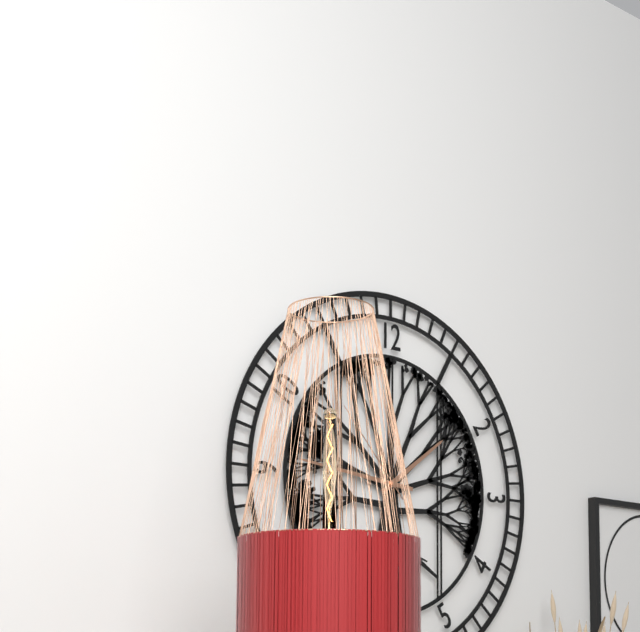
1 h 46 min 53 s
